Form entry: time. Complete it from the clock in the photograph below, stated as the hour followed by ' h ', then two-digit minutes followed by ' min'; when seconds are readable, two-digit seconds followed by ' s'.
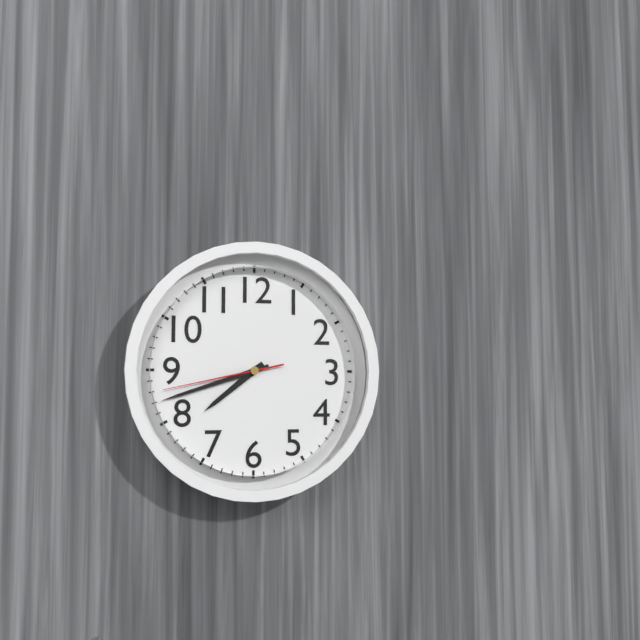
7 h 42 min 43 s
